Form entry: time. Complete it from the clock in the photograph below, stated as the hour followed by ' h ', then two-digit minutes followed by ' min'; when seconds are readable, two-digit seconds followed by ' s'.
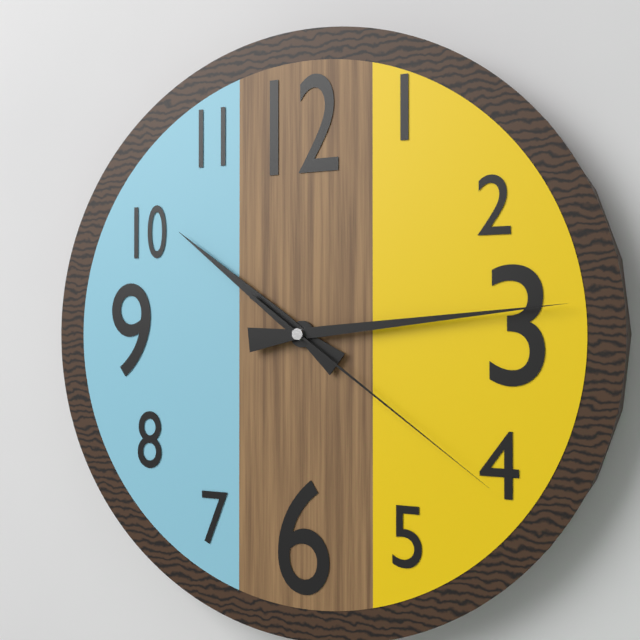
10 h 14 min 21 s
